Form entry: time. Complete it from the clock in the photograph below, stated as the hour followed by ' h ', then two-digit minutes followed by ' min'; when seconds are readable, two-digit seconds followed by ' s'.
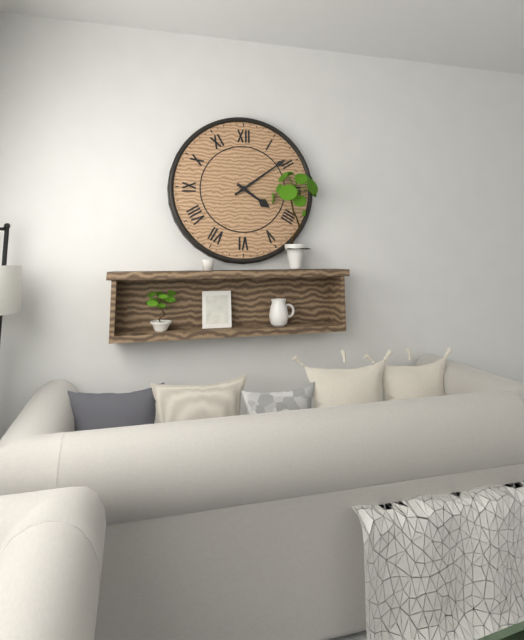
4 h 09 min
